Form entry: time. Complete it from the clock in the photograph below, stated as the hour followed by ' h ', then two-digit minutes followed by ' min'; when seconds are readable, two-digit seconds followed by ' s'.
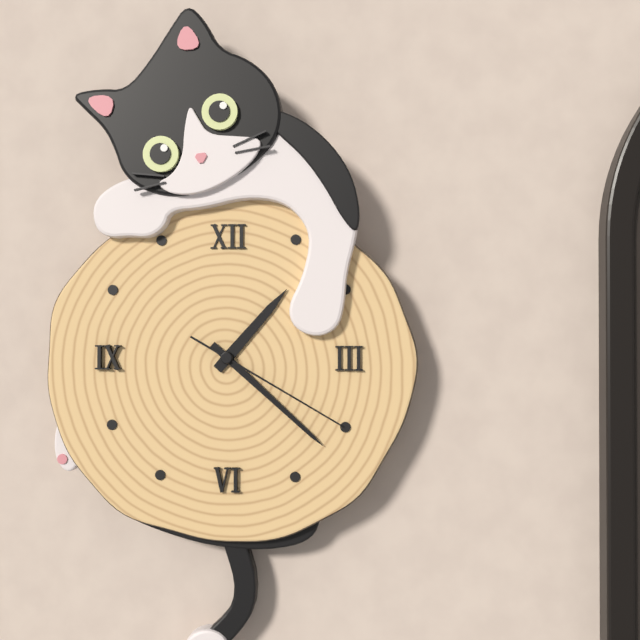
1 h 22 min 20 s
